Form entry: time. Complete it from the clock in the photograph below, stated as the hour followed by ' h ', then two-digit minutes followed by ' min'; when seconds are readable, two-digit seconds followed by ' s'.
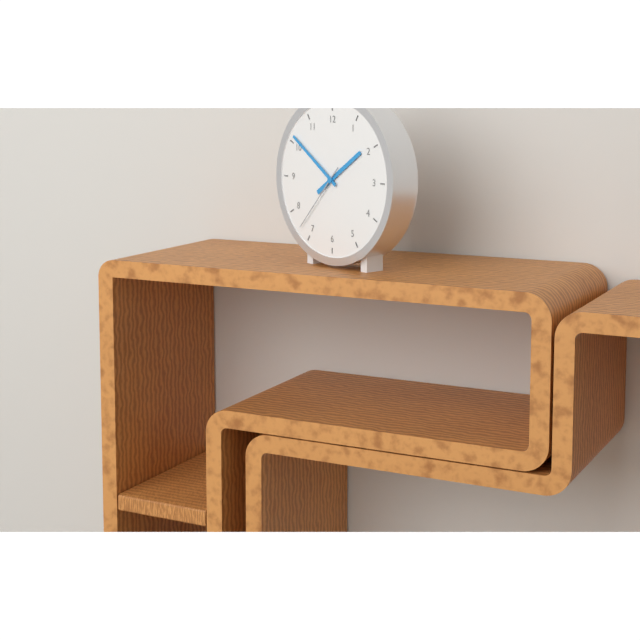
1 h 51 min 37 s
